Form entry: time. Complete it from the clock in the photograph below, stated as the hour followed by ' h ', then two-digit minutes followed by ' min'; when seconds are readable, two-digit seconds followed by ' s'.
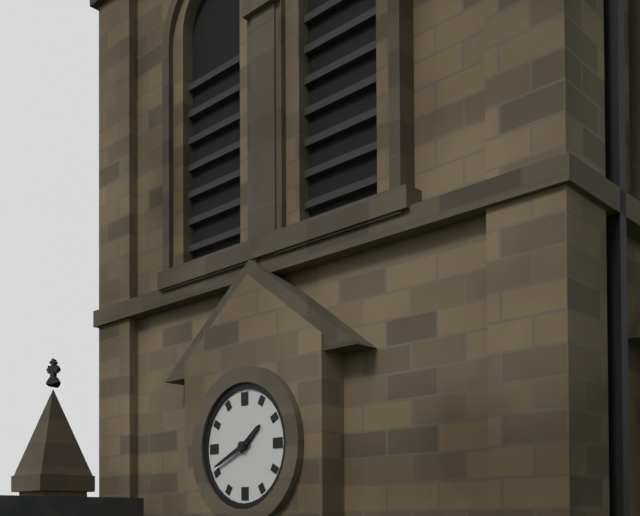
1 h 41 min
